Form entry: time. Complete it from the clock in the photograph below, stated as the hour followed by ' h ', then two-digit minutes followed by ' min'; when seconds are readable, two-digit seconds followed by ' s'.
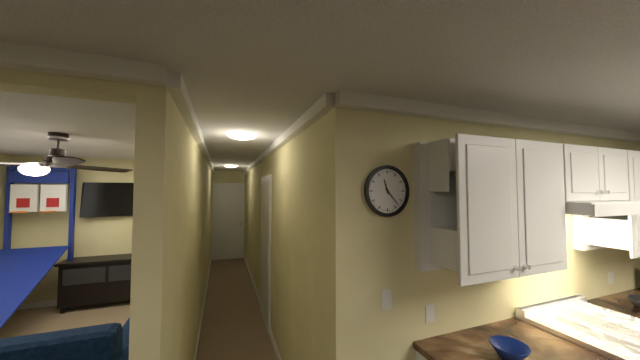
11 h 23 min
